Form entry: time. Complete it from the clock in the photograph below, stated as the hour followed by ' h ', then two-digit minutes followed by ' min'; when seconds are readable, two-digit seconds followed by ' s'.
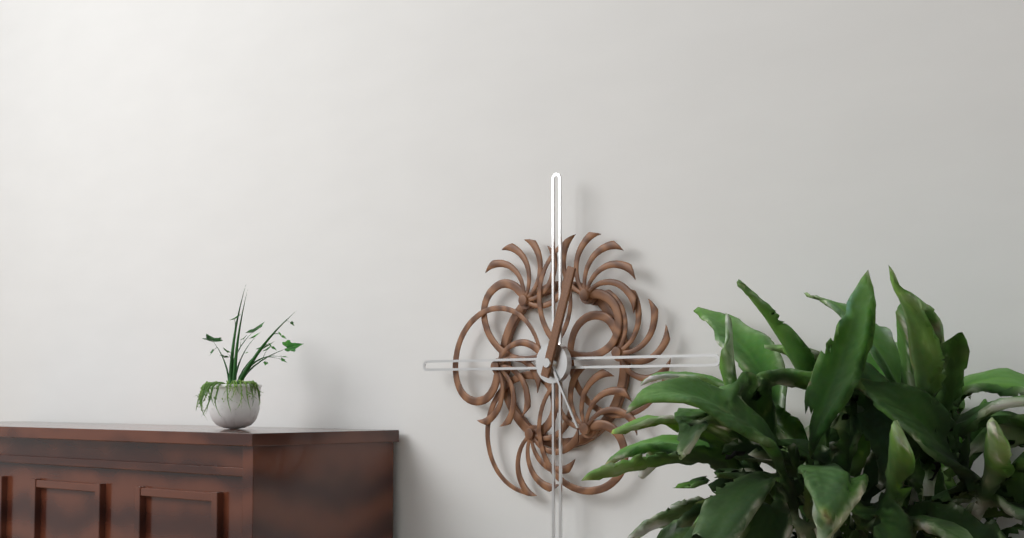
5 h 03 min
